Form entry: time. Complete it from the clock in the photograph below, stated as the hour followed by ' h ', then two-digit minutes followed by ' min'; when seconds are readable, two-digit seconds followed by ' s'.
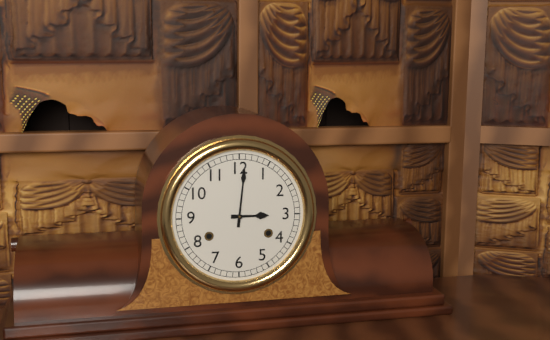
3 h 01 min
